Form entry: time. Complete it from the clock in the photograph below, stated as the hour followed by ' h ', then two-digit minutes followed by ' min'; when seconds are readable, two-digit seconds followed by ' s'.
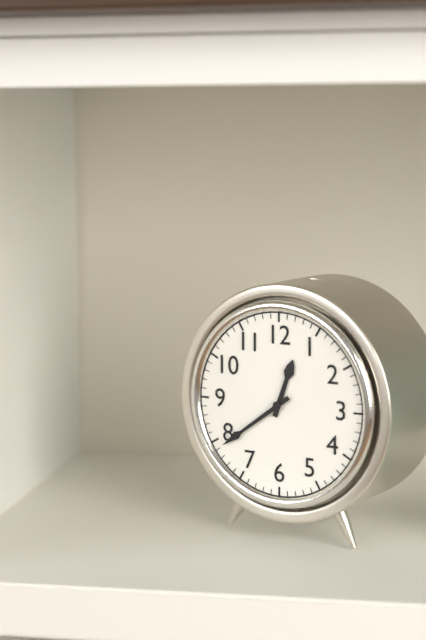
12 h 39 min
